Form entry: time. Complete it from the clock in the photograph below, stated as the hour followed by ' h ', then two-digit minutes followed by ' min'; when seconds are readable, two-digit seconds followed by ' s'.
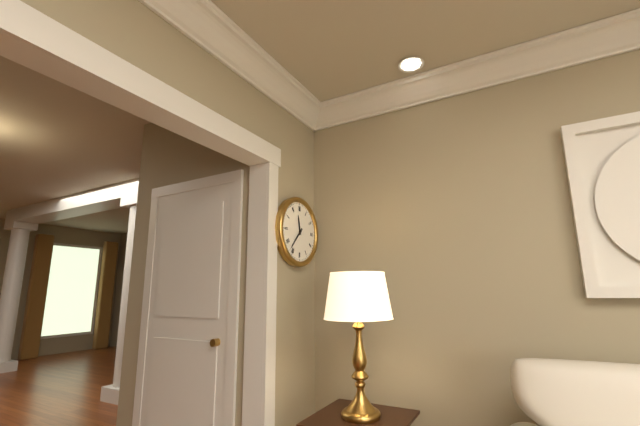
11 h 37 min
